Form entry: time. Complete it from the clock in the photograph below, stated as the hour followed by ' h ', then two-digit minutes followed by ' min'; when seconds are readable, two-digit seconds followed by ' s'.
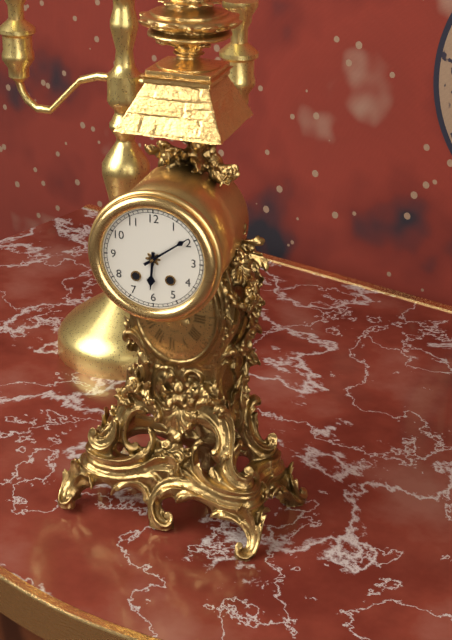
6 h 09 min
